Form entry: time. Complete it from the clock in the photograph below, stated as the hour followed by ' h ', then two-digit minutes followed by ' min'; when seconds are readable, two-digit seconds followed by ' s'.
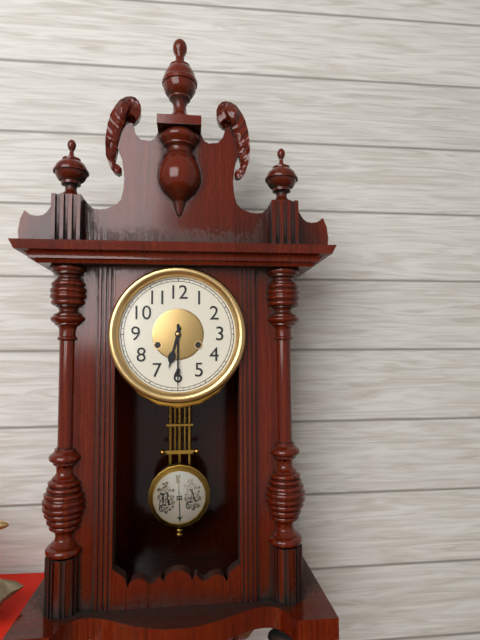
6 h 30 min
